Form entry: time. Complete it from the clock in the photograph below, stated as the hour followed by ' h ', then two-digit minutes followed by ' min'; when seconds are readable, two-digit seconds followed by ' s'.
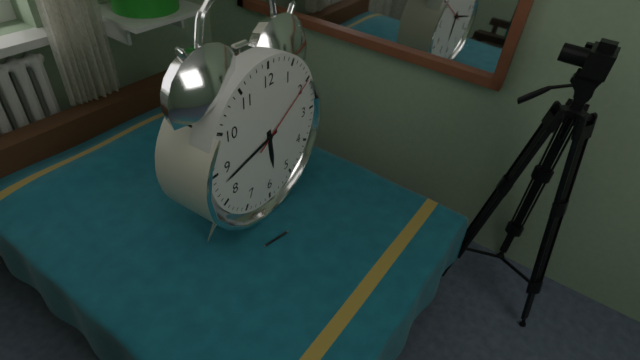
5 h 43 min 10 s
